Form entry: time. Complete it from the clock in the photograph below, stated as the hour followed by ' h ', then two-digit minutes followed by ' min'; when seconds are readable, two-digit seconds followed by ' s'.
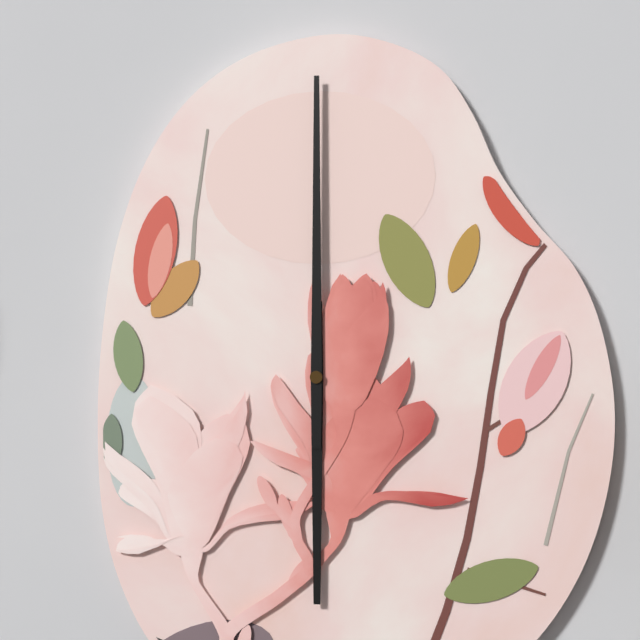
6 h 00 min
